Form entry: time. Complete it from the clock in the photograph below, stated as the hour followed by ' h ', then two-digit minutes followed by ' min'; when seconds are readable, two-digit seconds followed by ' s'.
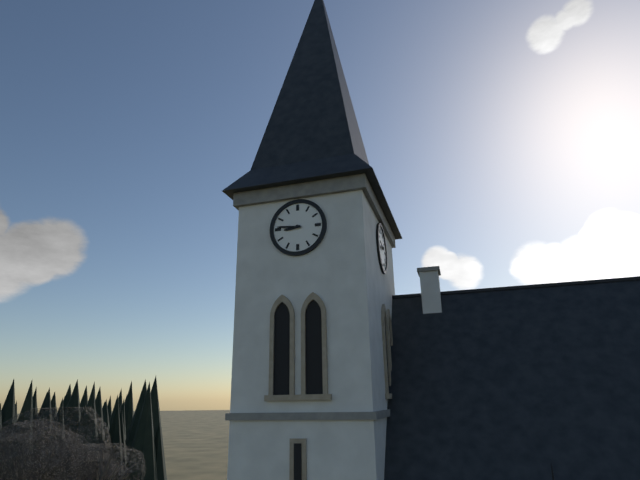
8 h 46 min
